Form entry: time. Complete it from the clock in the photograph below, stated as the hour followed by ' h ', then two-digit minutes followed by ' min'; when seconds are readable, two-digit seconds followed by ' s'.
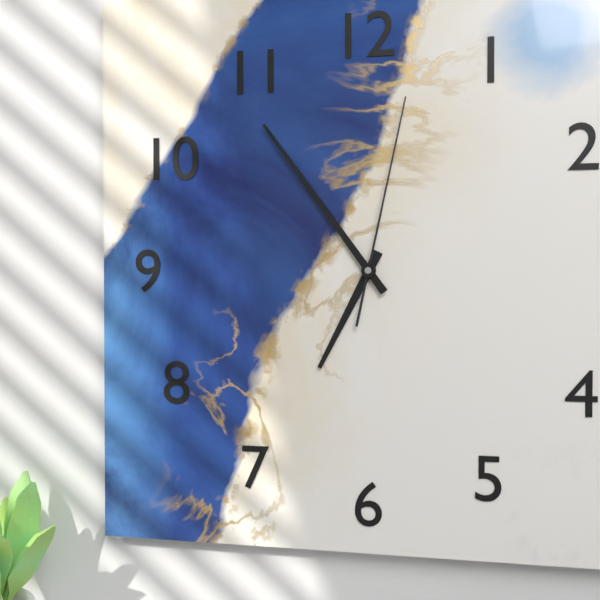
6 h 54 min 02 s
